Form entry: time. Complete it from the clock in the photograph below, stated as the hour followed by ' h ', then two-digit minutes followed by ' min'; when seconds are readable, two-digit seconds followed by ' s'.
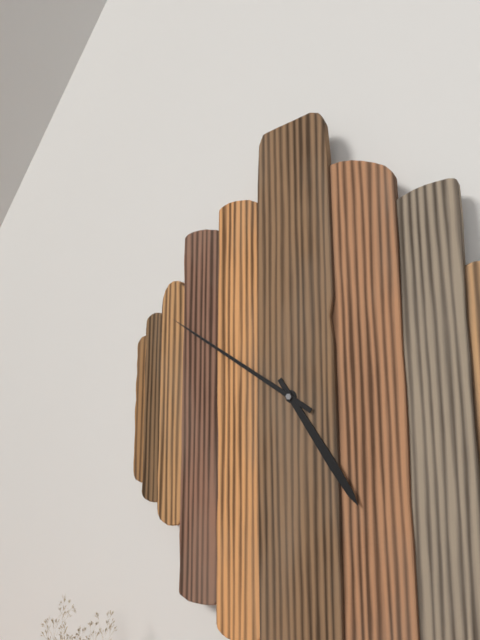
4 h 50 min
